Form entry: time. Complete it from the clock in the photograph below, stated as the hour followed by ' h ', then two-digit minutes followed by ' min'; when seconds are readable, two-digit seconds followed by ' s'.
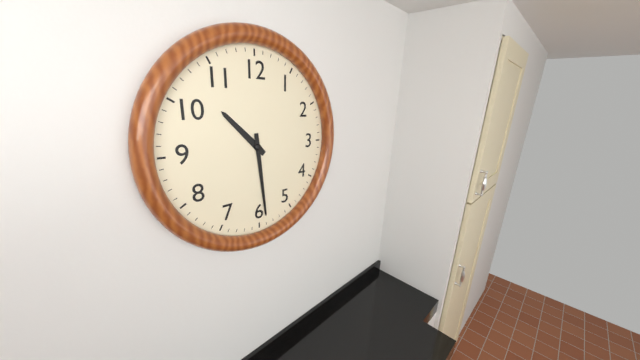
10 h 29 min
